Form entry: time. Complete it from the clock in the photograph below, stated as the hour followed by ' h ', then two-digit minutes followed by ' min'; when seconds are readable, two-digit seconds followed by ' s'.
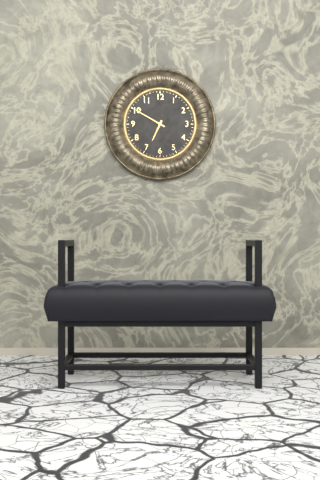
6 h 50 min
